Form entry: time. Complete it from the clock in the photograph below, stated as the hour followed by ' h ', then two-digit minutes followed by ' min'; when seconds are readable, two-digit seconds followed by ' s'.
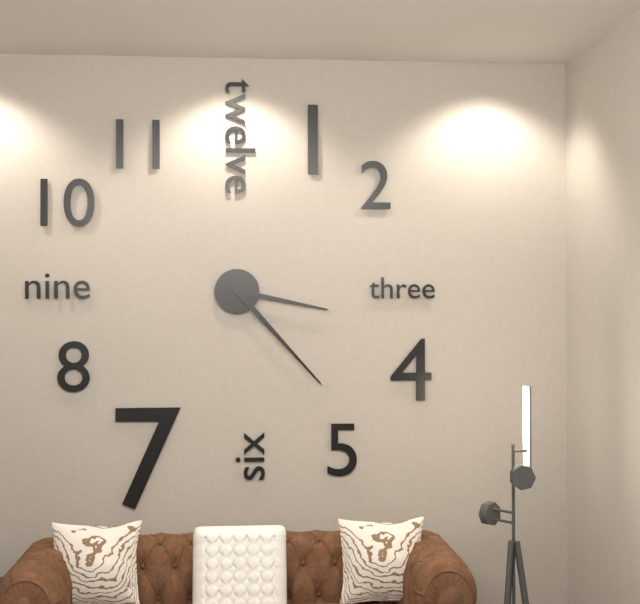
3 h 23 min
